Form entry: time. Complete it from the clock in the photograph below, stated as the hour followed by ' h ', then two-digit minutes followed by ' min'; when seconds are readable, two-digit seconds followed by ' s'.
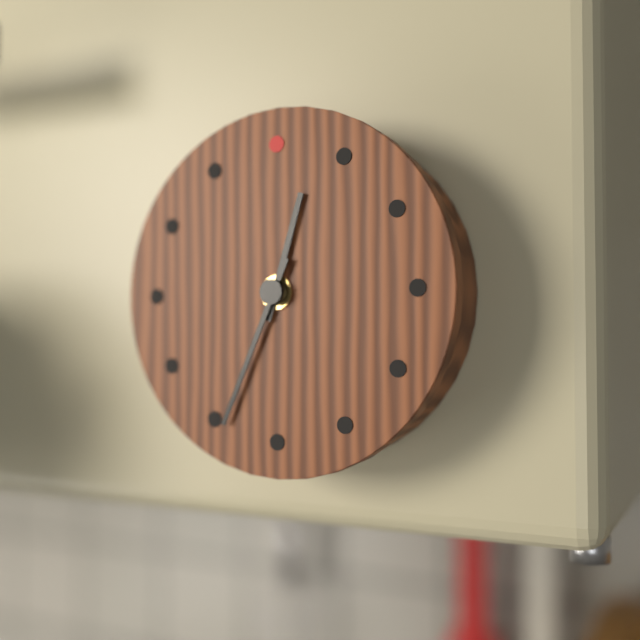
12 h 34 min
